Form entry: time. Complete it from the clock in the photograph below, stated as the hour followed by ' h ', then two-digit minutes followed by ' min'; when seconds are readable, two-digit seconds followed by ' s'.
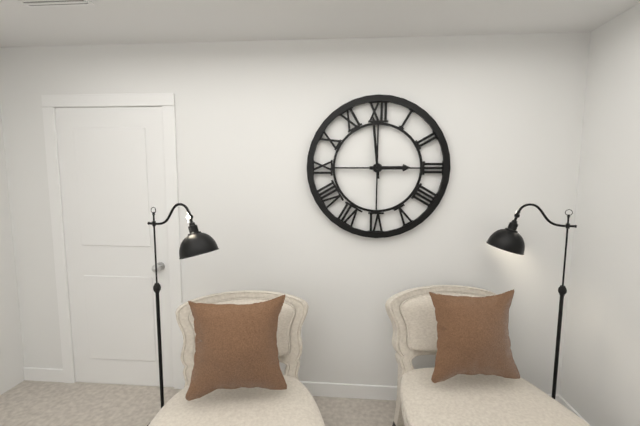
2 h 59 min
